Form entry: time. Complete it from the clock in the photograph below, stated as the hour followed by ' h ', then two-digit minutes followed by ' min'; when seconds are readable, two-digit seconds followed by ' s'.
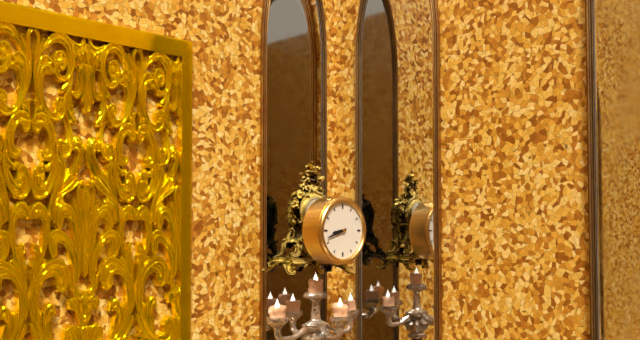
8 h 42 min
